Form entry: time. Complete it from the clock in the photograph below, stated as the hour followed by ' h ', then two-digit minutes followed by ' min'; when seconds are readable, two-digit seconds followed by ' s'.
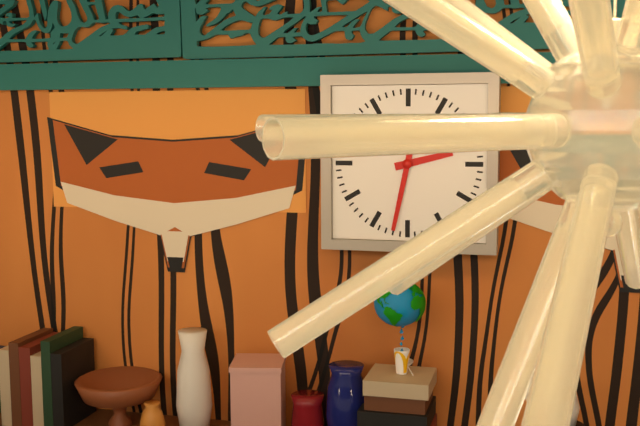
2 h 32 min
